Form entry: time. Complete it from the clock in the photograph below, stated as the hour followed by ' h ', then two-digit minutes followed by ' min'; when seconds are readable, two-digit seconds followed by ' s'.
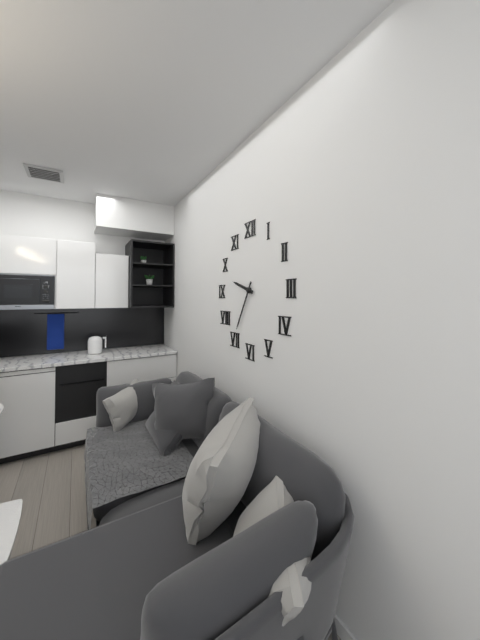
9 h 35 min
